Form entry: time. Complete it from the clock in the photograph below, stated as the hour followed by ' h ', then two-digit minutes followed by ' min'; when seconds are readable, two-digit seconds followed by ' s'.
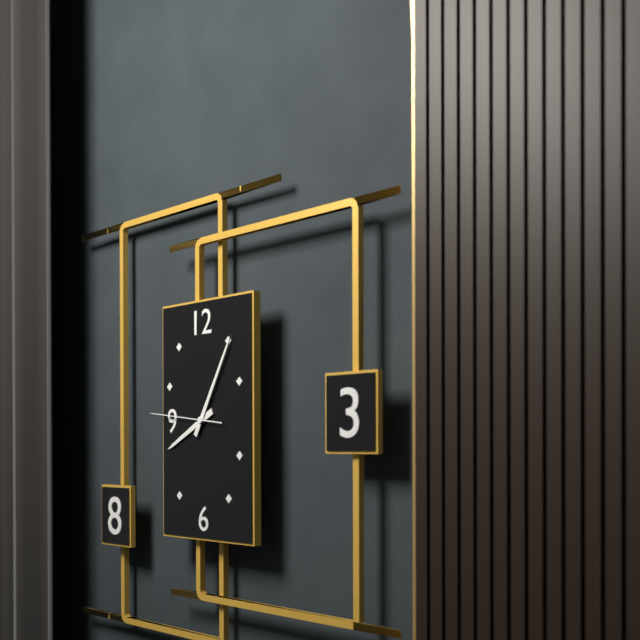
8 h 05 min 46 s
